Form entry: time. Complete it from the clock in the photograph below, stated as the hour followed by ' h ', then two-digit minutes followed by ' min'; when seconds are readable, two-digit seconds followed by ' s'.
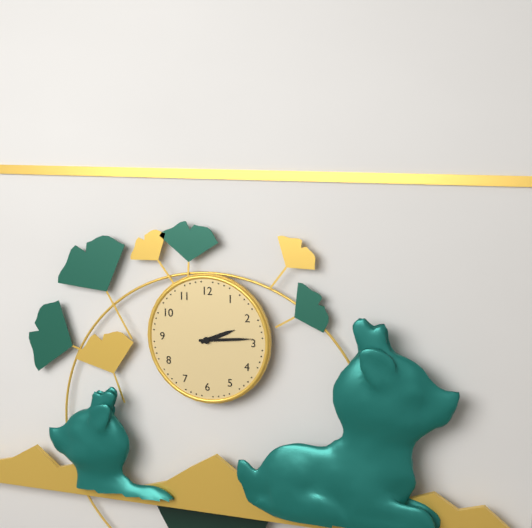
2 h 14 min
